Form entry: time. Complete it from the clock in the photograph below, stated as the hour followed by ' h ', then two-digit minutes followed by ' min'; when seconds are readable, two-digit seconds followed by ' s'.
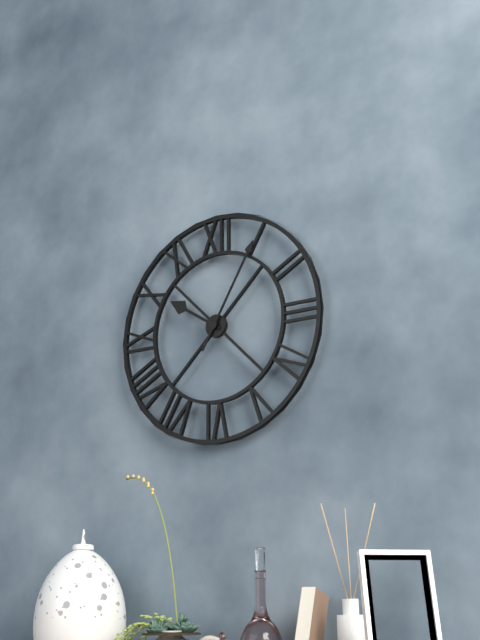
10 h 05 min
